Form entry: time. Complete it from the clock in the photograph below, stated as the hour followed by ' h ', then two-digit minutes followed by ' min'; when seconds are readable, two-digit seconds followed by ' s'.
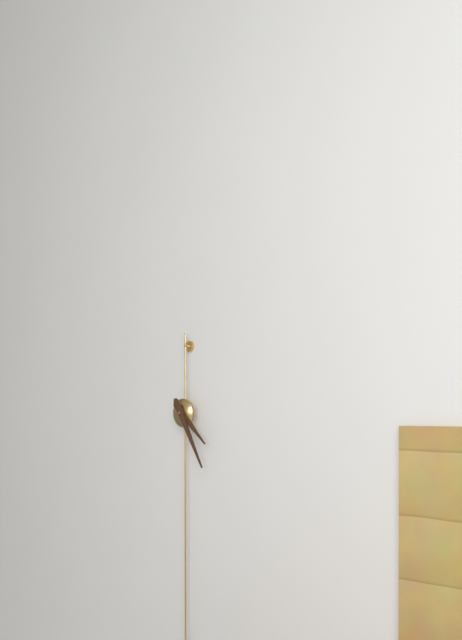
4 h 25 min
